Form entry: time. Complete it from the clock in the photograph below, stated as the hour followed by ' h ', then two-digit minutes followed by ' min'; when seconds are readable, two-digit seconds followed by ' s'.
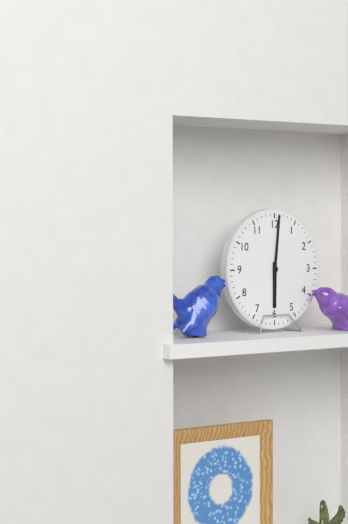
6 h 01 min
